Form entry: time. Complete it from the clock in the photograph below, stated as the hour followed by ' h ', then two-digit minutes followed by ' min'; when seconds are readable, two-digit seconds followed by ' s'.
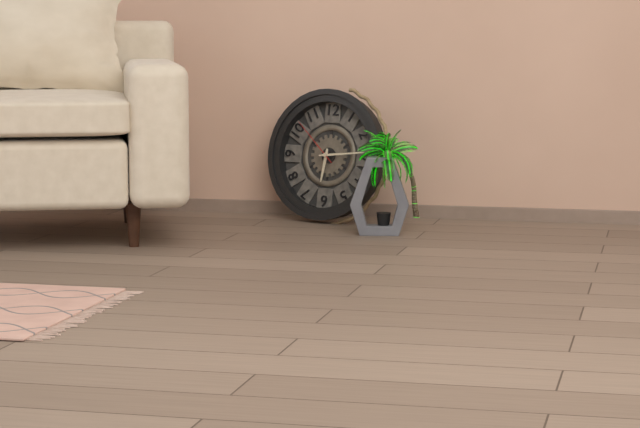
6 h 14 min 52 s
